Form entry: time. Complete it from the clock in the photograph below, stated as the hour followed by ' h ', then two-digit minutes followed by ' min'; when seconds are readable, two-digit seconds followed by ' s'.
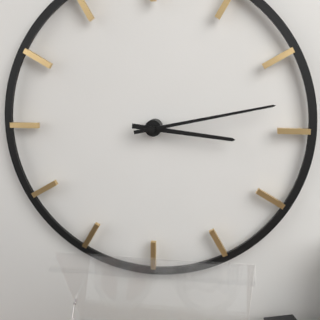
3 h 13 min
